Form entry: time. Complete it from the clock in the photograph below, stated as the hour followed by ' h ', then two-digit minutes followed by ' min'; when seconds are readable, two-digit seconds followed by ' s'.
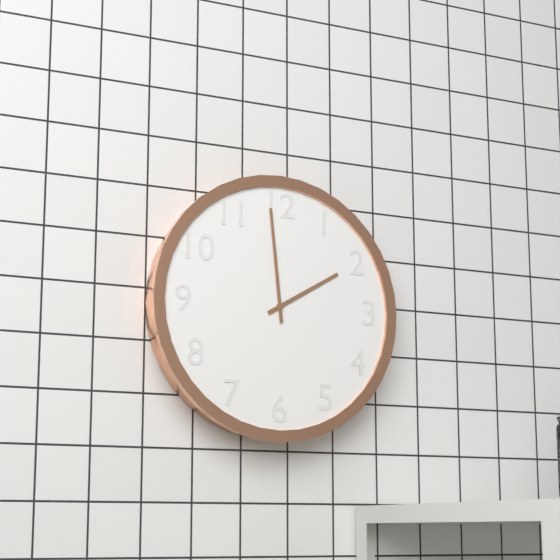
1 h 59 min
